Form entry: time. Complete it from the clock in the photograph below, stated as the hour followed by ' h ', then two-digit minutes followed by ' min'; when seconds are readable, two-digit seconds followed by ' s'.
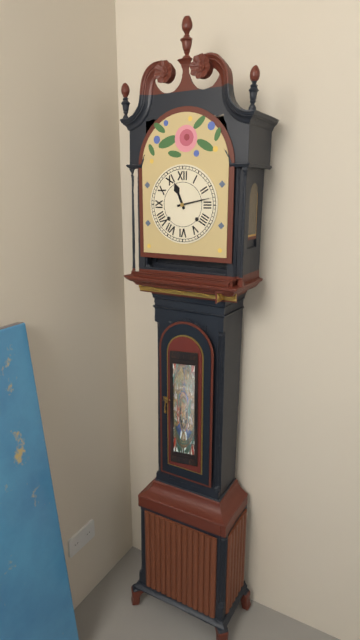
11 h 13 min
